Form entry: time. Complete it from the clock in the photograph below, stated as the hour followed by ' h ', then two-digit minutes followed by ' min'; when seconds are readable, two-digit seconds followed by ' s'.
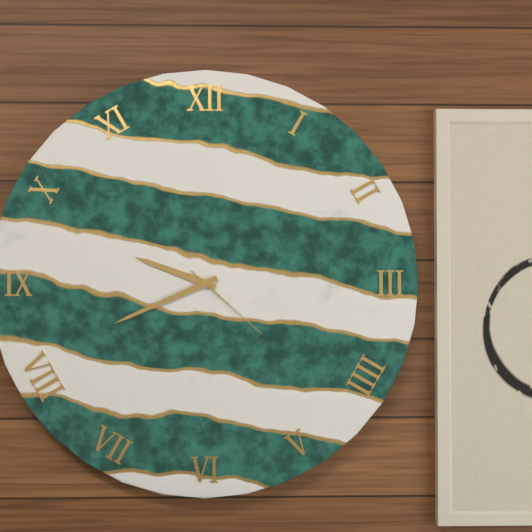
9 h 41 min 22 s
